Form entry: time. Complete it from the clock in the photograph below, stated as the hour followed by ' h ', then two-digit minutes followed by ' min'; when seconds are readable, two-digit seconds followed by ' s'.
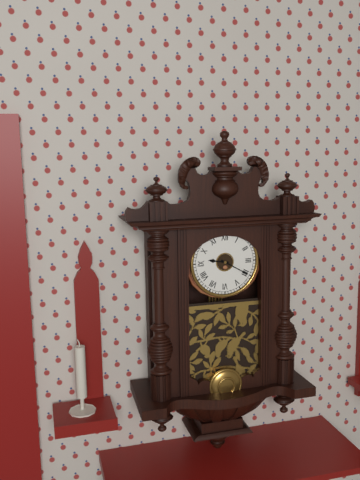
9 h 20 min
